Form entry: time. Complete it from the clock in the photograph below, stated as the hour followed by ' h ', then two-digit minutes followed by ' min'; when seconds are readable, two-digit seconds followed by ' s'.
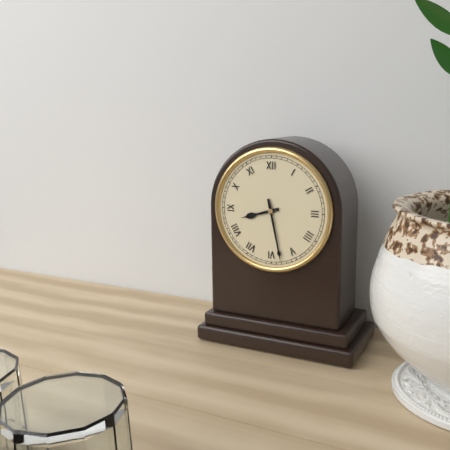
8 h 28 min
